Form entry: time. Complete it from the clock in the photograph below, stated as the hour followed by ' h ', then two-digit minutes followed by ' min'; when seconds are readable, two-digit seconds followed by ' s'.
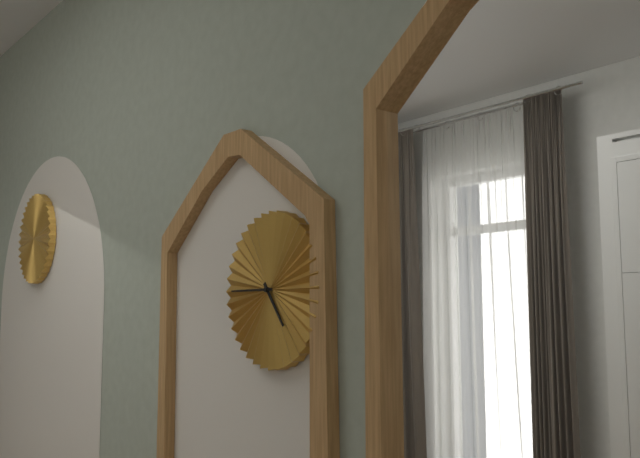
4 h 45 min
